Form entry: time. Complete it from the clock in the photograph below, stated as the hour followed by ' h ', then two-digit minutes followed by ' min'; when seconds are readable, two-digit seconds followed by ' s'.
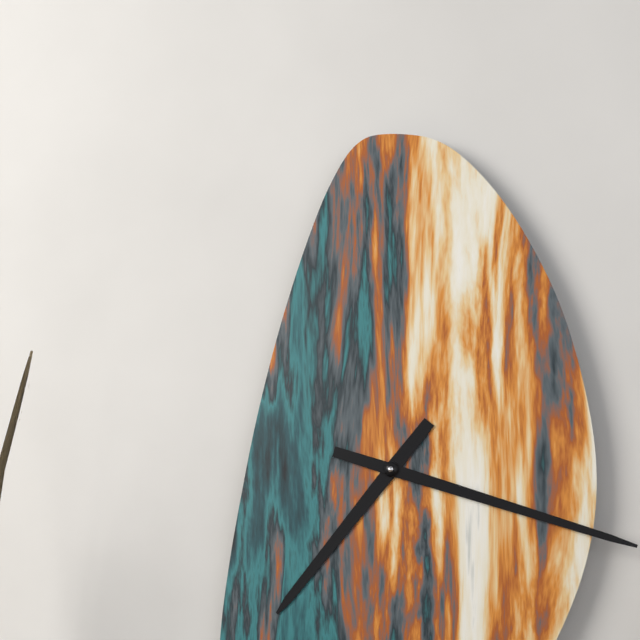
7 h 18 min
